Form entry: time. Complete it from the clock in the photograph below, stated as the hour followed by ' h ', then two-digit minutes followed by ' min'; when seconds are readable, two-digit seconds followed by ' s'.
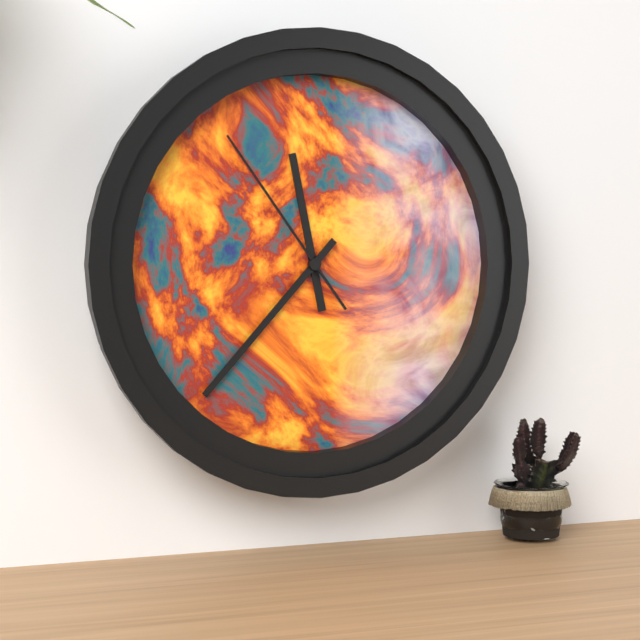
11 h 37 min 54 s
